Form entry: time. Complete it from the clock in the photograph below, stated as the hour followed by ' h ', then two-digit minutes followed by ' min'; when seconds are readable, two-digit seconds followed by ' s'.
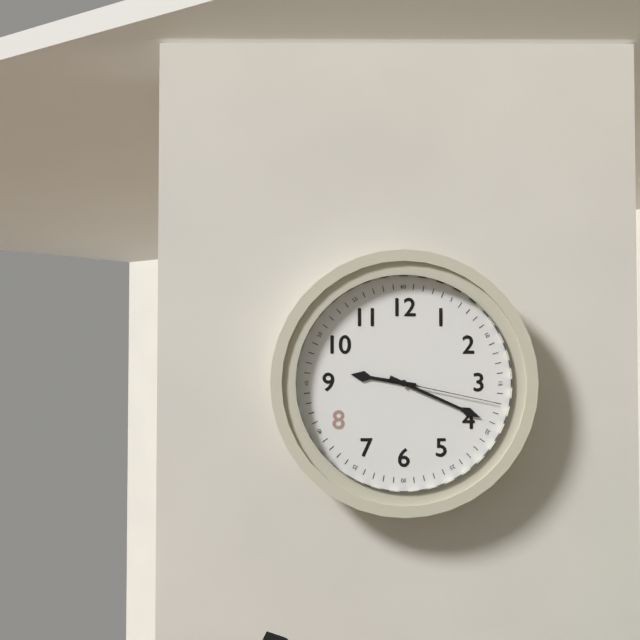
9 h 19 min 17 s
